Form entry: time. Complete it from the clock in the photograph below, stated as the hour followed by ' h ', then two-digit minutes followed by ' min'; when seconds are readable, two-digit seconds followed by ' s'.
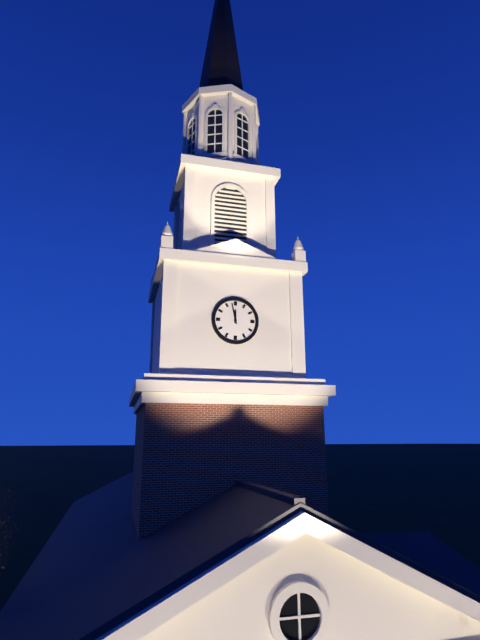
11 h 58 min
